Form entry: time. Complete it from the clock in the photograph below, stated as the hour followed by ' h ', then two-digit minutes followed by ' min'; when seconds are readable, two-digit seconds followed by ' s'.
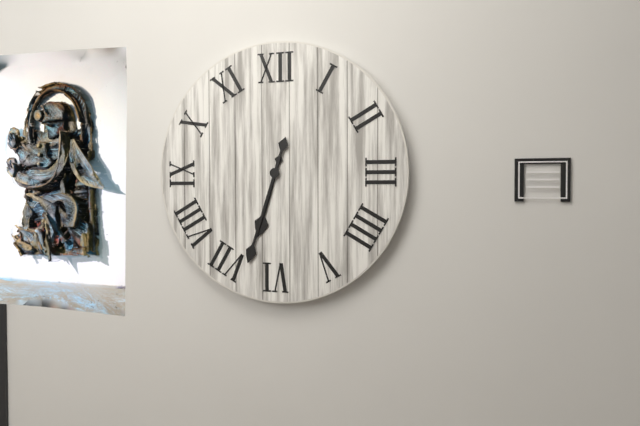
6 h 33 min
